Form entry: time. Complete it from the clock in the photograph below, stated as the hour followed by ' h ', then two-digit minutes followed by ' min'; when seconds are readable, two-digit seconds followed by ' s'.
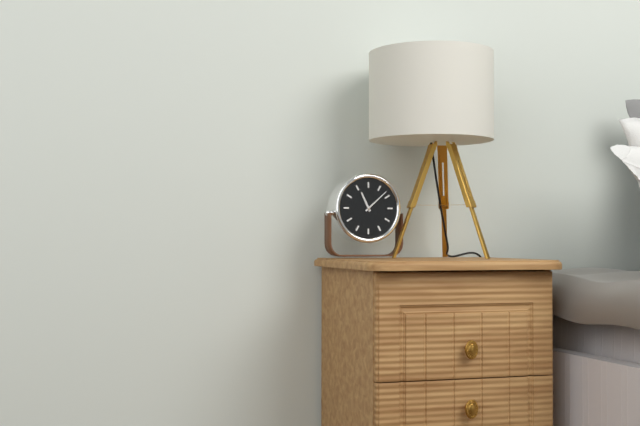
11 h 08 min
